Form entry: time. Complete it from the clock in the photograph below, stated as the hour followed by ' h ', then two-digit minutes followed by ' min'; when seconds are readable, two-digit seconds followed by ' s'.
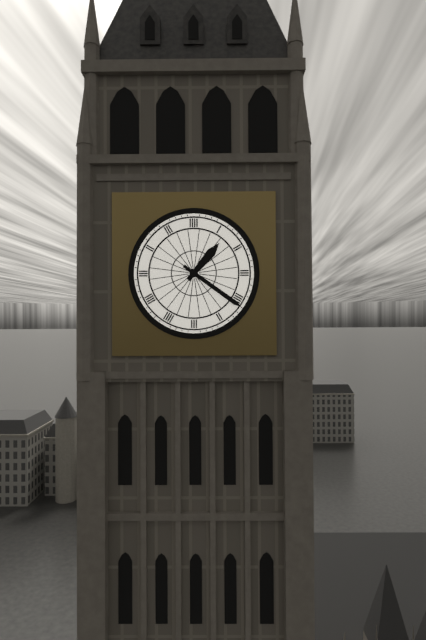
1 h 21 min
